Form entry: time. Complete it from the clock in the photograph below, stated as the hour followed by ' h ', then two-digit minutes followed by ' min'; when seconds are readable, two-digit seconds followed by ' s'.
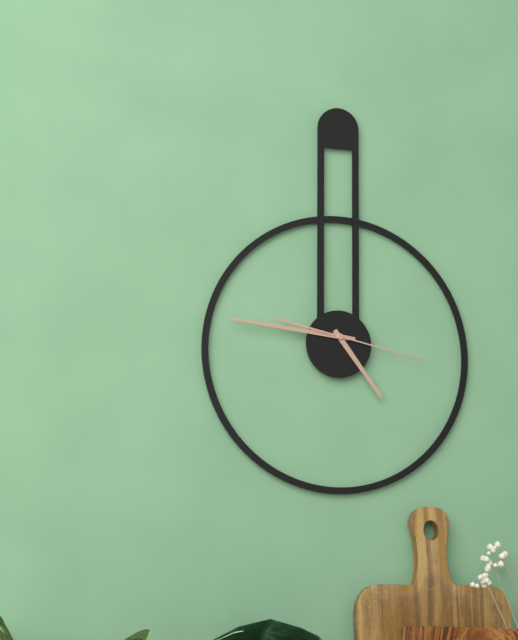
4 h 46 min 17 s
